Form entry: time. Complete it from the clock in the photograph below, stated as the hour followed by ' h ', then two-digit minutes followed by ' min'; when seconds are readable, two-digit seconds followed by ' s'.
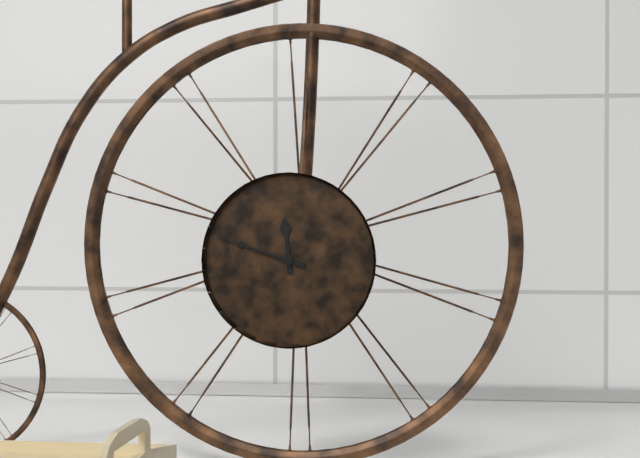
11 h 48 min
